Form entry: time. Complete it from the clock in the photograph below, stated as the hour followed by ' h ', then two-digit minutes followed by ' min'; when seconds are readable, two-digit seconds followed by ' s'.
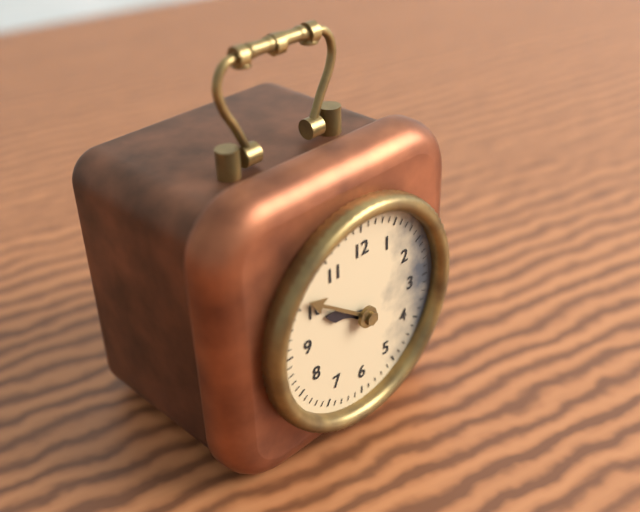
9 h 51 min
